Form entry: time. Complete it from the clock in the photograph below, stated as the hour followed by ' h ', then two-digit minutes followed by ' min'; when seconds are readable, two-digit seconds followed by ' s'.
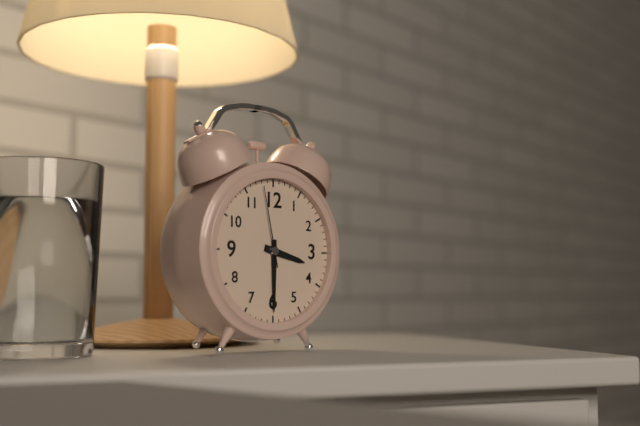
3 h 30 min 58 s
